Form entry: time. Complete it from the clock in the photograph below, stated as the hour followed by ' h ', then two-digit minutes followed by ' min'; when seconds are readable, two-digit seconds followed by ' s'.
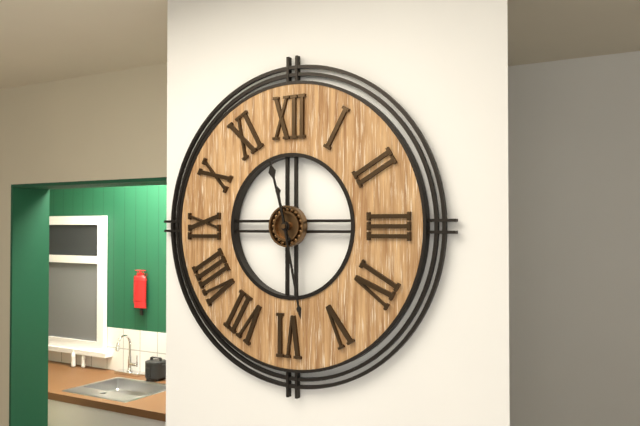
11 h 28 min
